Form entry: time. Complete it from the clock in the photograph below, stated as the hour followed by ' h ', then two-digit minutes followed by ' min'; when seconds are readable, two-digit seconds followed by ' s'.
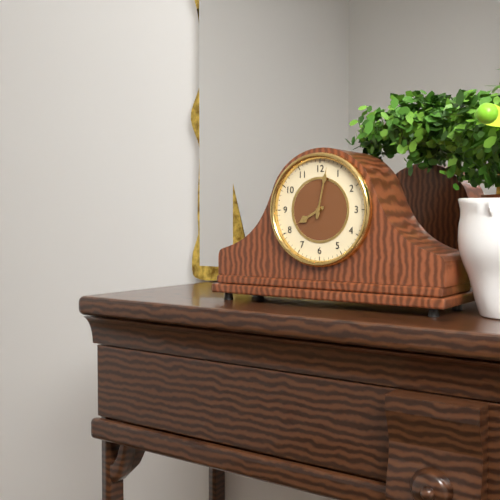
8 h 02 min
